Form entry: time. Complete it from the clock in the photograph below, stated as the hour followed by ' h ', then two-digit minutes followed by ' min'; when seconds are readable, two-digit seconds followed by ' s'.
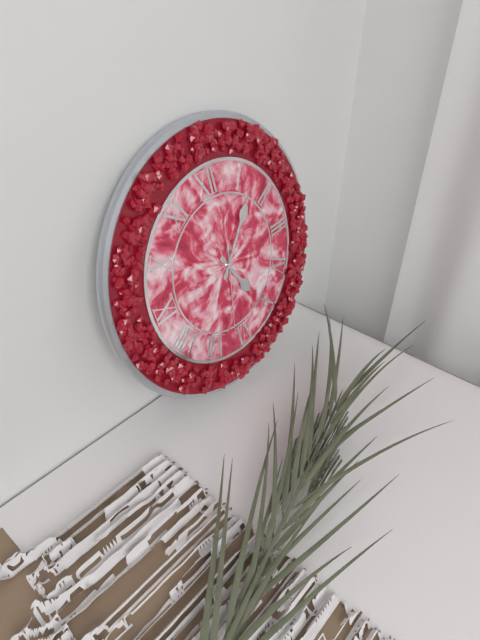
5 h 07 min 32 s
